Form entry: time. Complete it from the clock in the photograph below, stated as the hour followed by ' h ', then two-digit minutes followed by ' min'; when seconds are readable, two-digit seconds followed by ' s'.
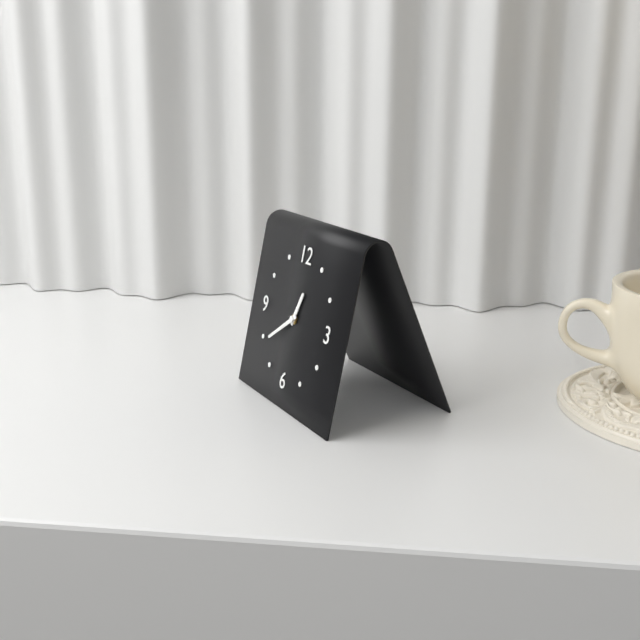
12 h 39 min
